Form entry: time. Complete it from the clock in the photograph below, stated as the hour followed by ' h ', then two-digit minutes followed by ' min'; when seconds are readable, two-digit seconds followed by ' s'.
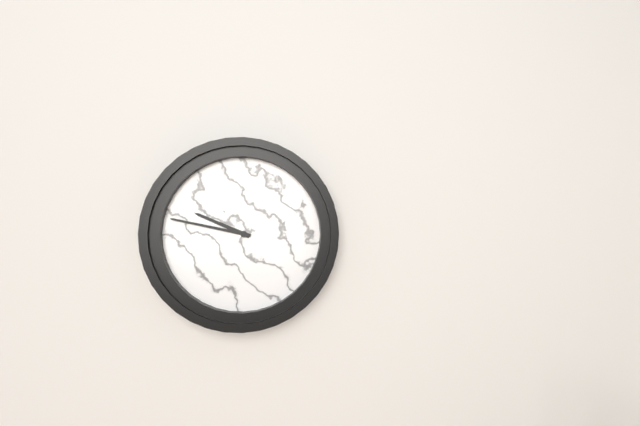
9 h 47 min
